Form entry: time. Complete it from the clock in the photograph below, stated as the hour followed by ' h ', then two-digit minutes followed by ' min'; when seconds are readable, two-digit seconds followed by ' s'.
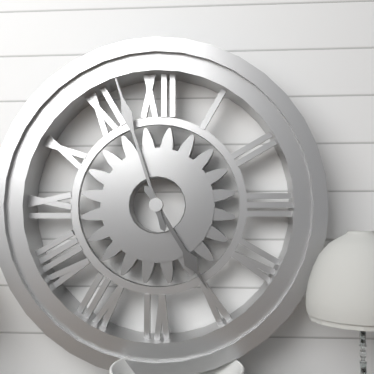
4 h 57 min
